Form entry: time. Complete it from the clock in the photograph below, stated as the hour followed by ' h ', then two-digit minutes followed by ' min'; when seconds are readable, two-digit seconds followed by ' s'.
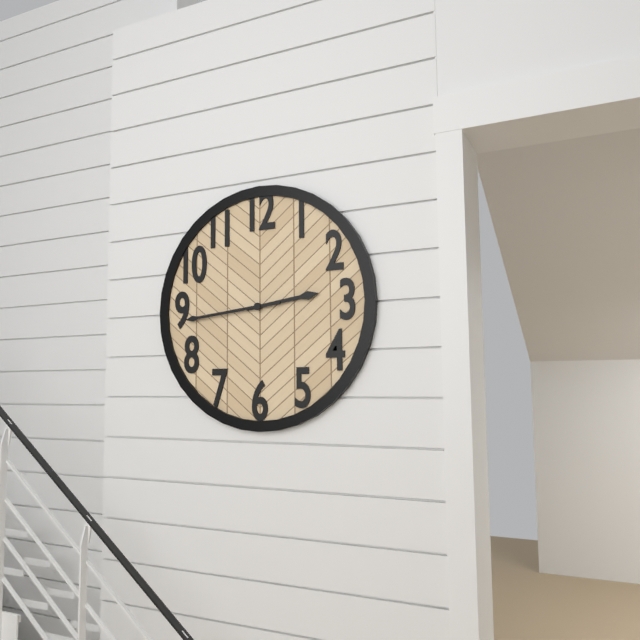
2 h 44 min
